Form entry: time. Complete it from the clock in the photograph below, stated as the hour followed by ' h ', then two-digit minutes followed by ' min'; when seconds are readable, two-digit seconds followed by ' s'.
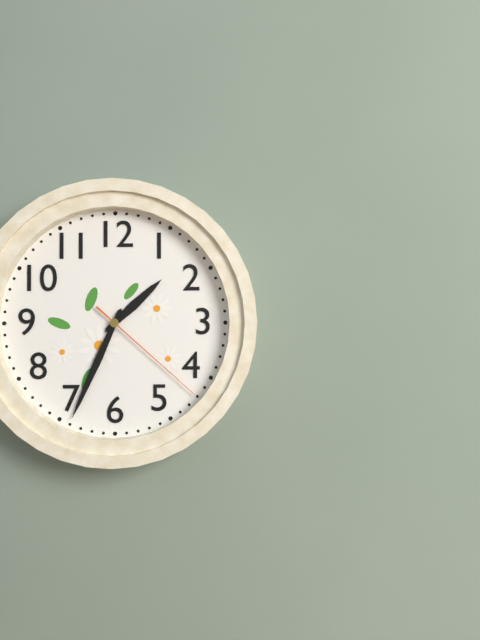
1 h 34 min 22 s
